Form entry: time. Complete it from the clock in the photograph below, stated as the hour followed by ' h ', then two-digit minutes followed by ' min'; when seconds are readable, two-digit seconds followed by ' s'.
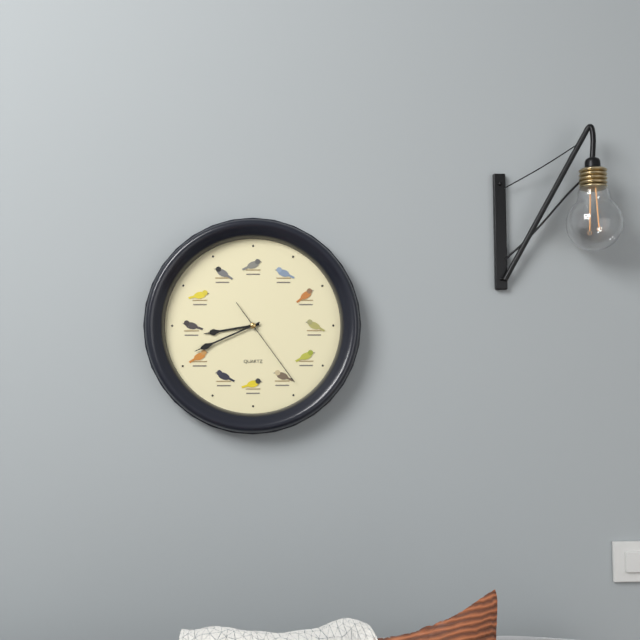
8 h 41 min 24 s
